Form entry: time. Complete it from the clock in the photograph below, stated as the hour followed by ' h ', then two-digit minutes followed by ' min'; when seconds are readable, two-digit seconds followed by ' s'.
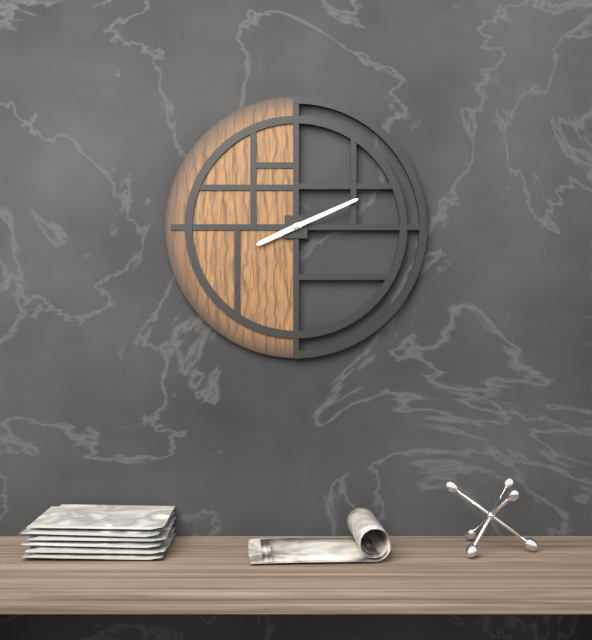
8 h 11 min
